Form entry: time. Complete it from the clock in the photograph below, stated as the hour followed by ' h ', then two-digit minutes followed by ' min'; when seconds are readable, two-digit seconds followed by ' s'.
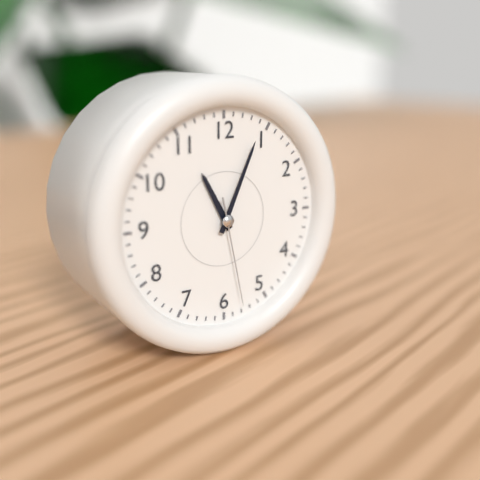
11 h 04 min 28 s
